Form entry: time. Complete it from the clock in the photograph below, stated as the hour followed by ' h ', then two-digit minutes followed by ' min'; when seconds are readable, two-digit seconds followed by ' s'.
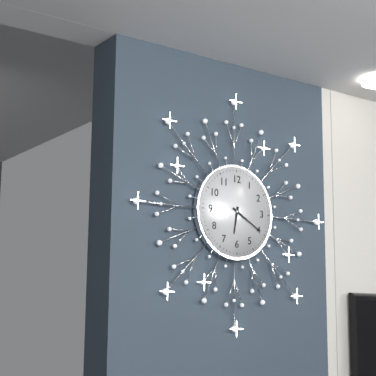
6 h 20 min
